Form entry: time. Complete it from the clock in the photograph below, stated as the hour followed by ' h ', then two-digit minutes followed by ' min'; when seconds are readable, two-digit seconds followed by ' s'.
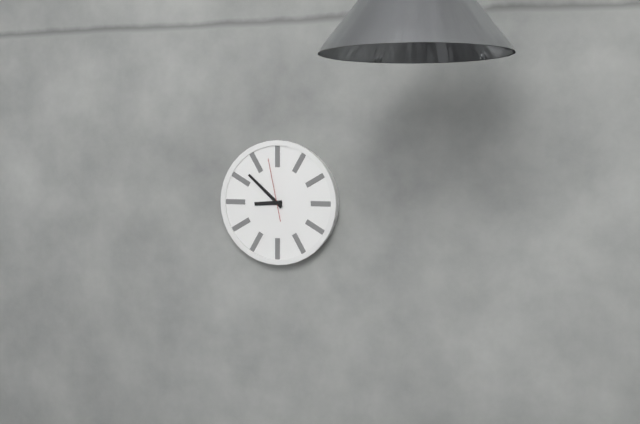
8 h 52 min 58 s
